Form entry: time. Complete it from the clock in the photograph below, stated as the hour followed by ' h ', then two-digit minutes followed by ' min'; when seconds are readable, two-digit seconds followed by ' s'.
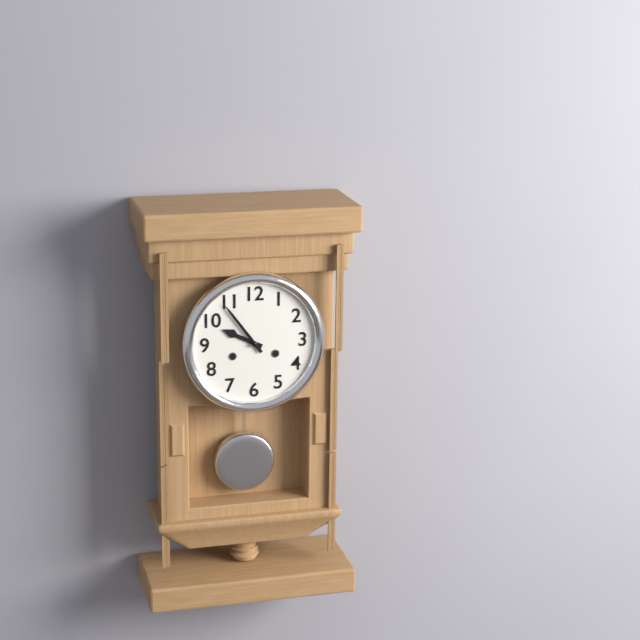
9 h 54 min
